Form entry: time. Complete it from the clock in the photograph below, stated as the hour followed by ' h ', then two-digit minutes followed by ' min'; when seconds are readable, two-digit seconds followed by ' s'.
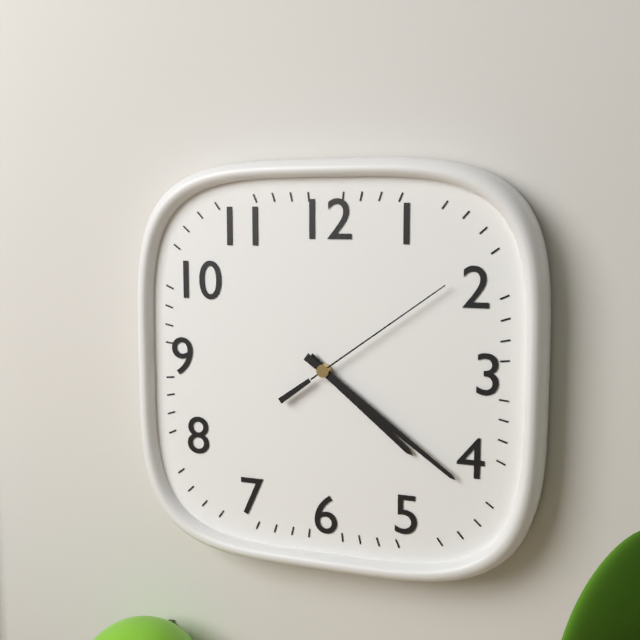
4 h 21 min 09 s
